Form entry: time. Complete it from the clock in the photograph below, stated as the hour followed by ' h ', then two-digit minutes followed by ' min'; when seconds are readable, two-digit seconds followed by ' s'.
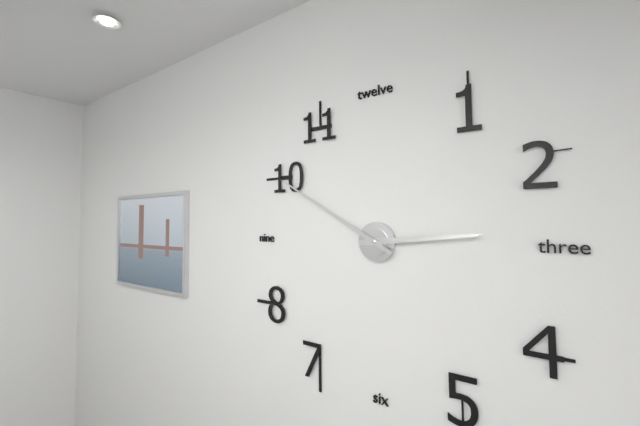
2 h 50 min
